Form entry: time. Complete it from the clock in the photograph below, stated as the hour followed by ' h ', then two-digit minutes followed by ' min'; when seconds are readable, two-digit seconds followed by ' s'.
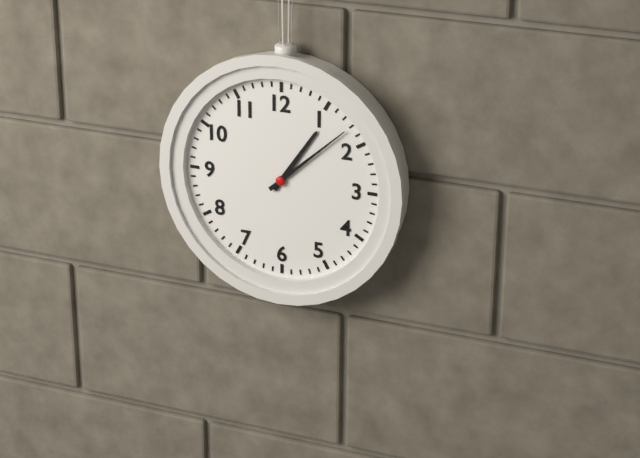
1 h 08 min
